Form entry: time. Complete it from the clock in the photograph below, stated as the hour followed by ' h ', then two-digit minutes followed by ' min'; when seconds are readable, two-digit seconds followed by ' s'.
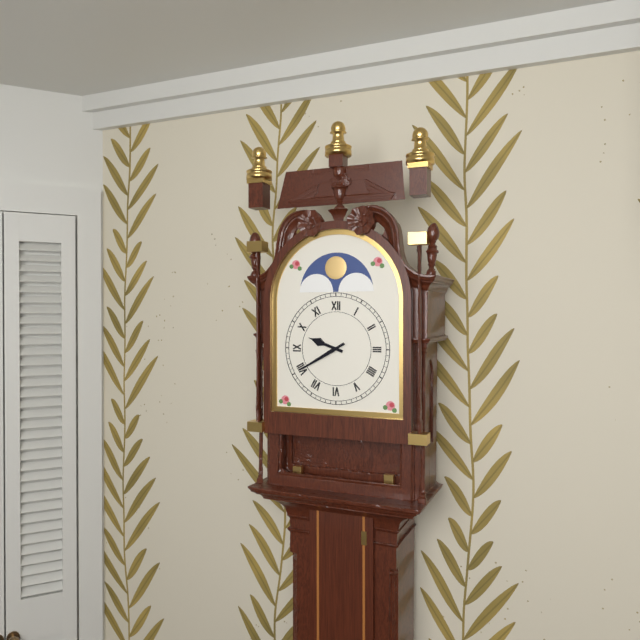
9 h 40 min
